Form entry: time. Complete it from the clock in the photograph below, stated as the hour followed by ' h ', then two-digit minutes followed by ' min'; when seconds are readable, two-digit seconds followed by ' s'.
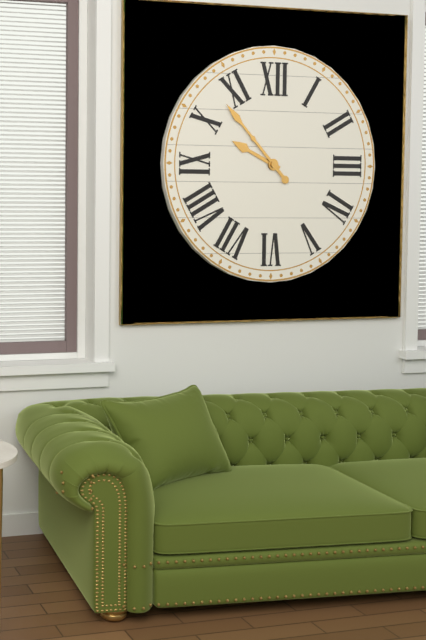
9 h 53 min
